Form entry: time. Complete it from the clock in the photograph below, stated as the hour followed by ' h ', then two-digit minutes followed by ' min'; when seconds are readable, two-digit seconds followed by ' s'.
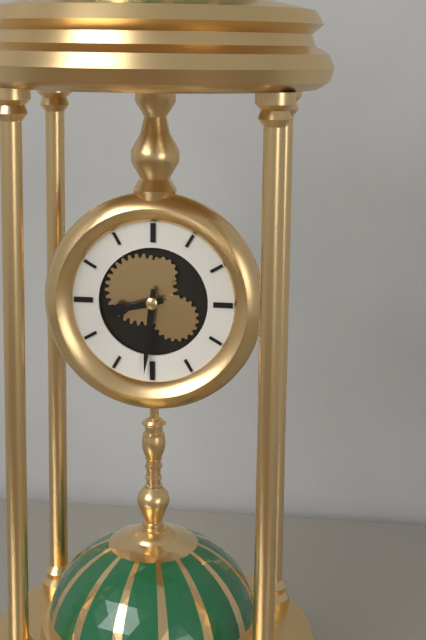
8 h 31 min
